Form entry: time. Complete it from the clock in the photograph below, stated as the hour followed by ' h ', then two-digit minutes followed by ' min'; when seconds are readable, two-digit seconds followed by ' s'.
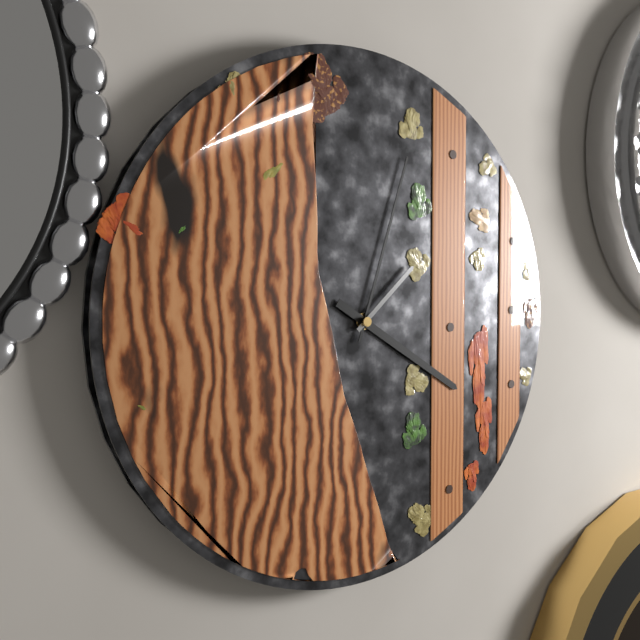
4 h 03 min 08 s
